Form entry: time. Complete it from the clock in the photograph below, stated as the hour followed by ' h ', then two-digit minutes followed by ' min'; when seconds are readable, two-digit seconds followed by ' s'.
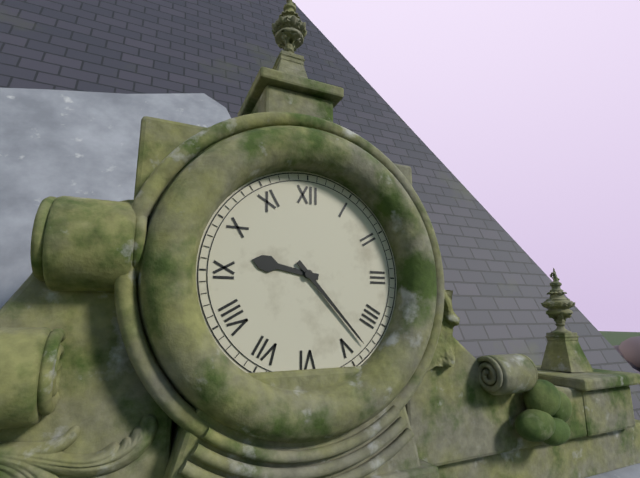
9 h 23 min
